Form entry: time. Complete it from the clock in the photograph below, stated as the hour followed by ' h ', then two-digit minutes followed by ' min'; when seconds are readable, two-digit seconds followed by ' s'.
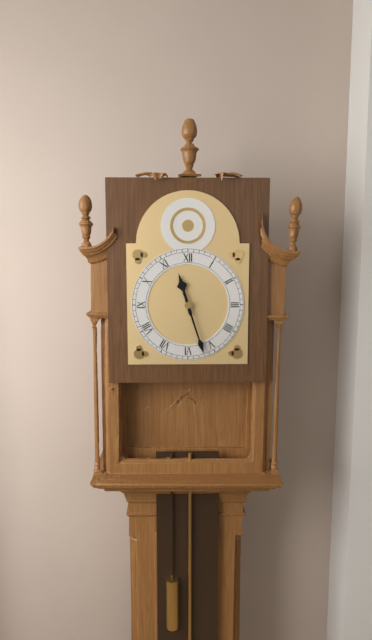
11 h 27 min
